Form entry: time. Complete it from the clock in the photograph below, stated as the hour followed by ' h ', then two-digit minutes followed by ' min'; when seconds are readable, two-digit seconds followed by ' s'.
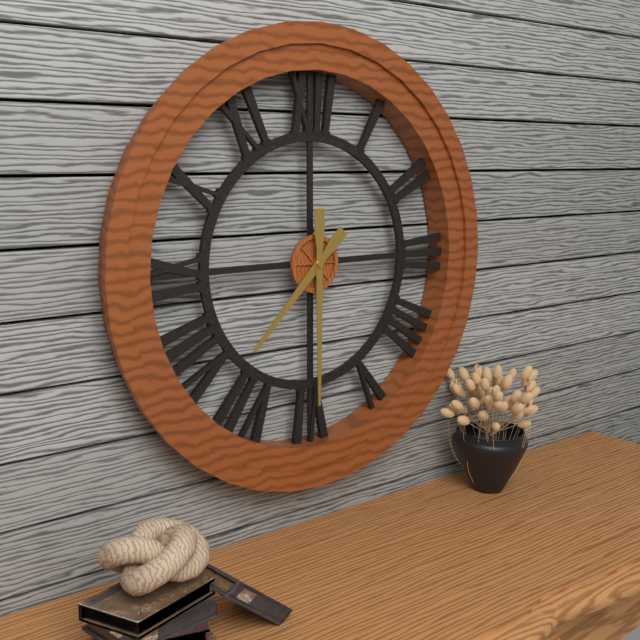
7 h 30 min
